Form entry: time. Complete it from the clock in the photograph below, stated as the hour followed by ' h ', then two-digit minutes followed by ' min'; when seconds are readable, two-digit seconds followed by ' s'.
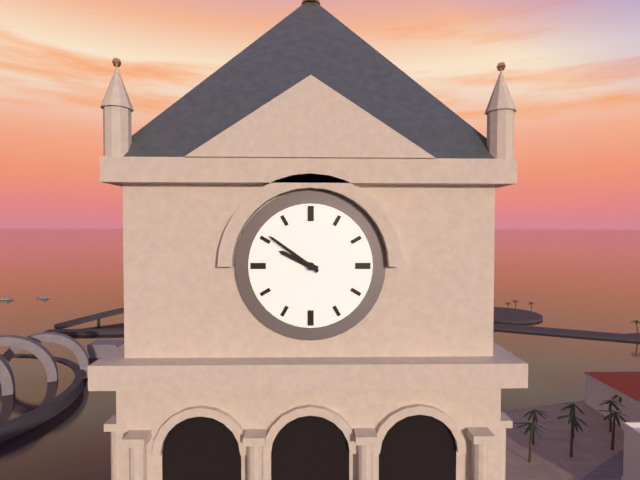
9 h 51 min
